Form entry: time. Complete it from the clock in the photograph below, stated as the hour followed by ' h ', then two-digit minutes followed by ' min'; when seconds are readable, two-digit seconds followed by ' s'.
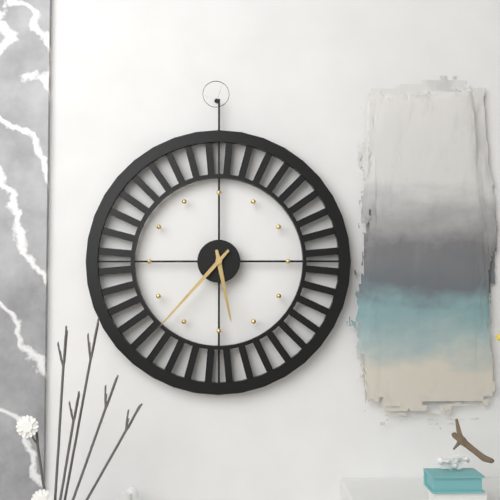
5 h 37 min
